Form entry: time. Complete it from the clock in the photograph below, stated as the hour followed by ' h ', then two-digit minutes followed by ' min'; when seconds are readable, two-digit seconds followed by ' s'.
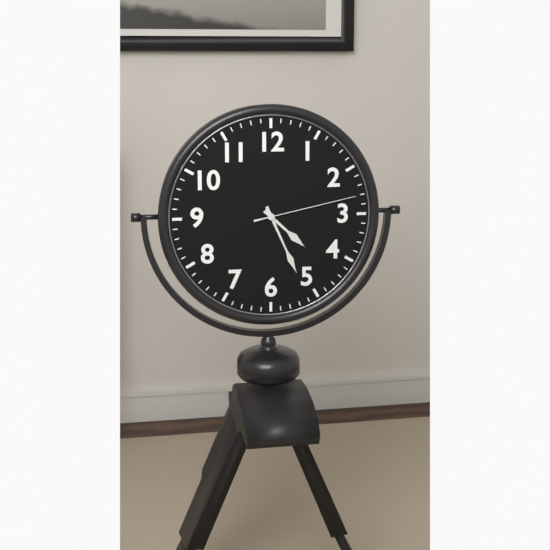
4 h 26 min 13 s
